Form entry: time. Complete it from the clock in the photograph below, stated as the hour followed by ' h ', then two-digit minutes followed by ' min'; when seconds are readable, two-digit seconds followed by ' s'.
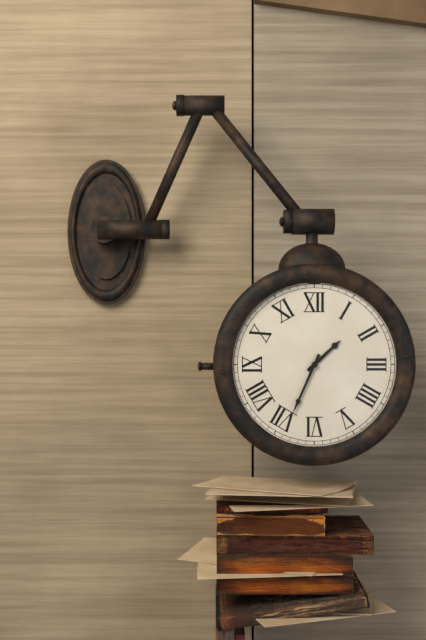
1 h 34 min
